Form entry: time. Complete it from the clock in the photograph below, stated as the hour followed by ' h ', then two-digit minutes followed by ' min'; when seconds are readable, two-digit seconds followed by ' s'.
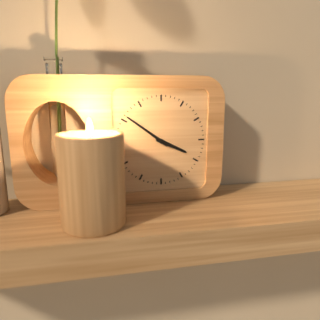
3 h 51 min
